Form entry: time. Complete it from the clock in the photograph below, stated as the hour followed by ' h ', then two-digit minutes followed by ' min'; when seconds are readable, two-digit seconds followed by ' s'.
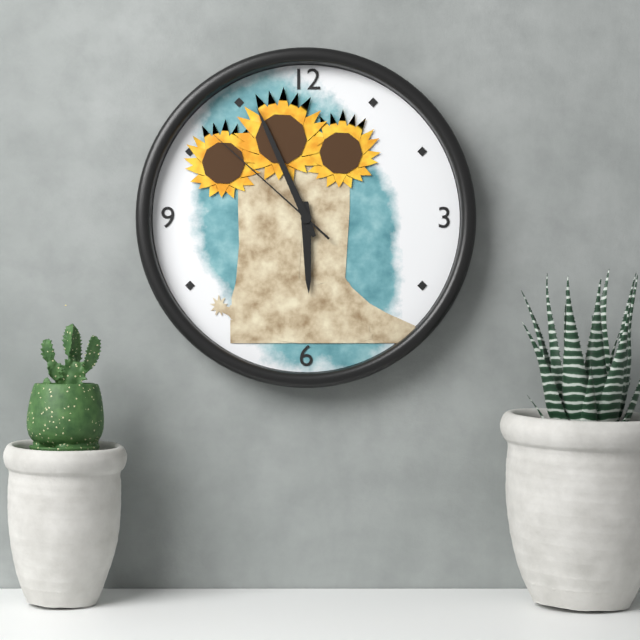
5 h 56 min 52 s
